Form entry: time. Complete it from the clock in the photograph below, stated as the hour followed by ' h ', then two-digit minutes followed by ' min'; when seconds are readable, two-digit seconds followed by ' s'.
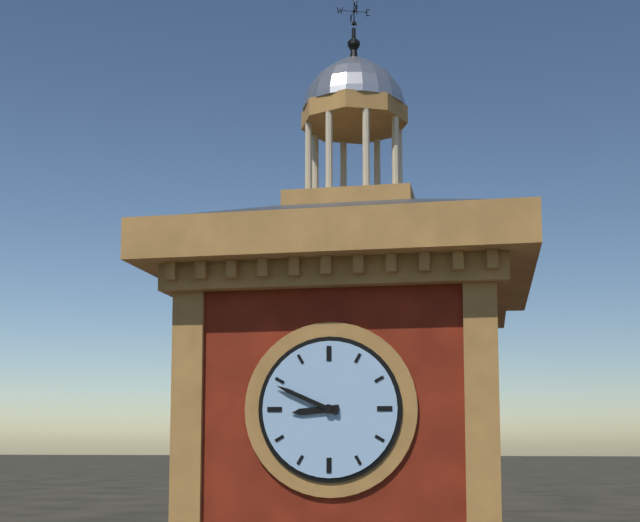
8 h 49 min
